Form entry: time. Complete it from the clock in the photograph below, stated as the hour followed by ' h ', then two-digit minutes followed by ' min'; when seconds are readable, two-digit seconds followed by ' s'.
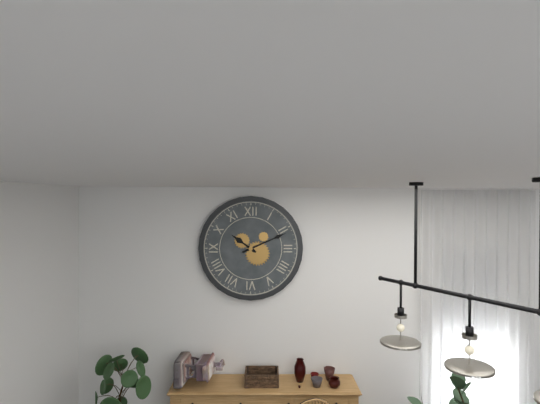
10 h 11 min
